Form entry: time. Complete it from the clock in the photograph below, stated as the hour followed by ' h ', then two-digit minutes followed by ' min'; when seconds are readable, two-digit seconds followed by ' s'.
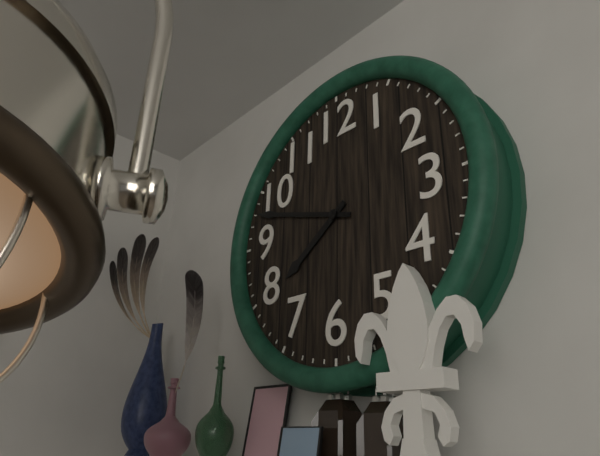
7 h 48 min
